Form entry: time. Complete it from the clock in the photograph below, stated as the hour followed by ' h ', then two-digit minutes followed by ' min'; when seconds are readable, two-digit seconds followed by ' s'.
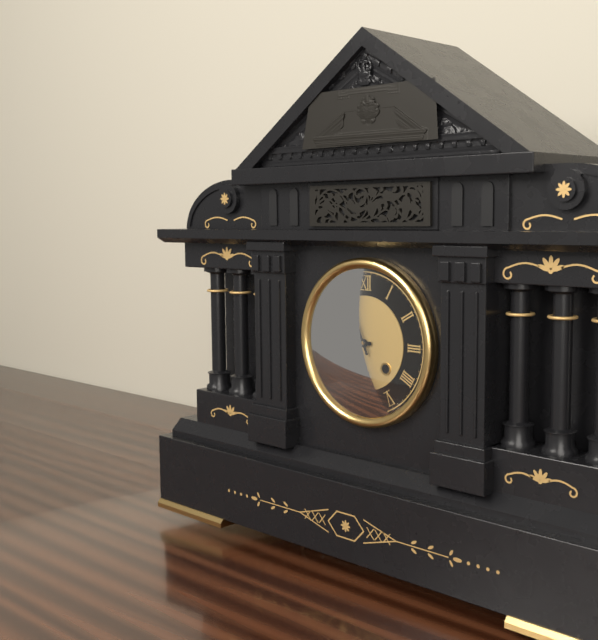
8 h 56 min
